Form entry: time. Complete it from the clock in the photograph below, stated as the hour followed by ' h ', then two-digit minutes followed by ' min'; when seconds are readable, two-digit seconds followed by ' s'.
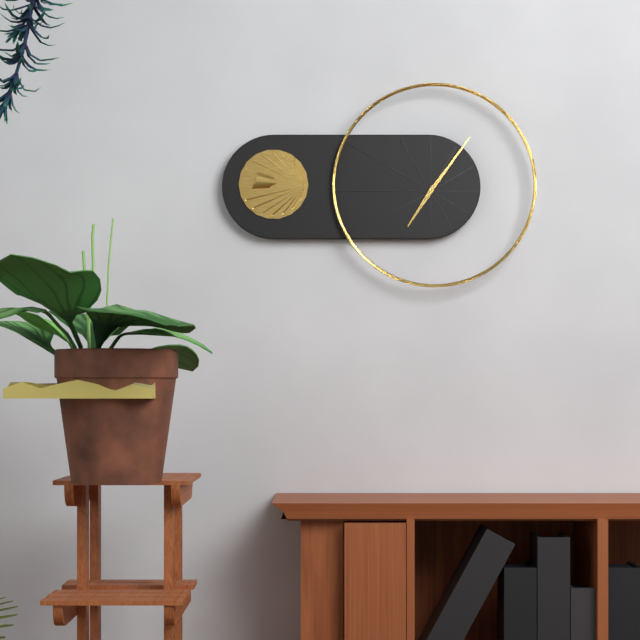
7 h 06 min
